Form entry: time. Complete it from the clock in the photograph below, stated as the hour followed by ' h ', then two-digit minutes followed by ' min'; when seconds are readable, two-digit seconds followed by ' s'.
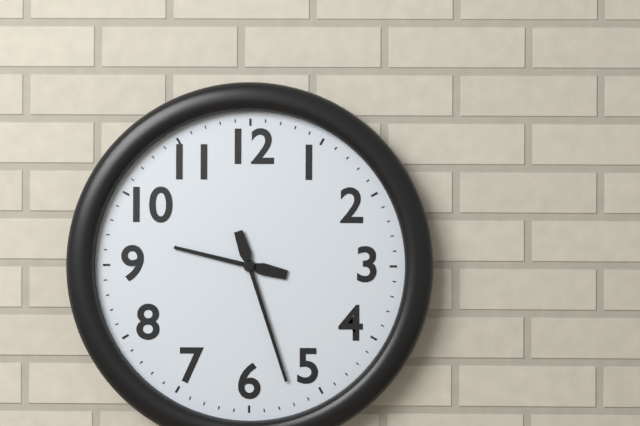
9 h 27 min
